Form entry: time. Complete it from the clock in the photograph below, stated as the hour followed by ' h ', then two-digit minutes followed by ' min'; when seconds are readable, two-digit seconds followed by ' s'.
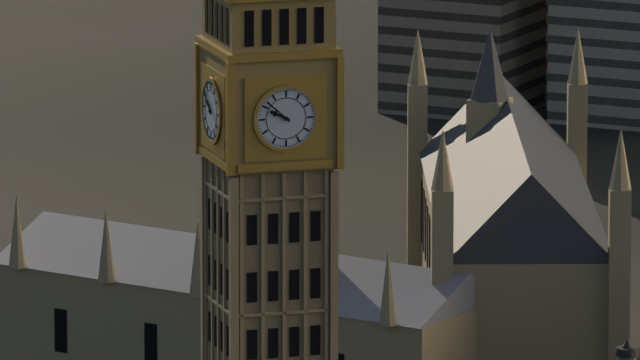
9 h 52 min
